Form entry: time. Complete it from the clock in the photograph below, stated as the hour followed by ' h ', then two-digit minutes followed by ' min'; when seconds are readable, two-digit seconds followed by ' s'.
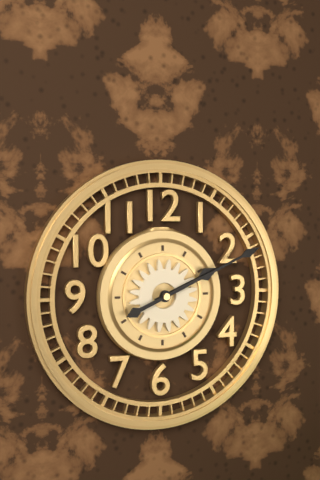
2 h 11 min
